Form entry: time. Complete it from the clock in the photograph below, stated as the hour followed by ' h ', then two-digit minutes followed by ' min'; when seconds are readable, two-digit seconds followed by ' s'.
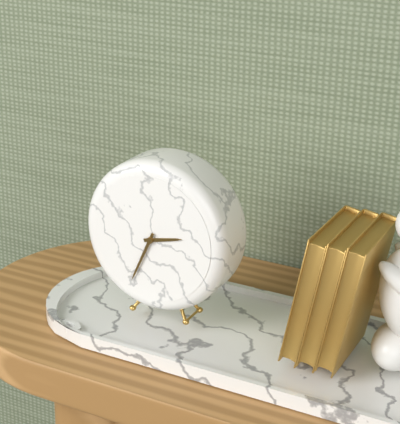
2 h 34 min
